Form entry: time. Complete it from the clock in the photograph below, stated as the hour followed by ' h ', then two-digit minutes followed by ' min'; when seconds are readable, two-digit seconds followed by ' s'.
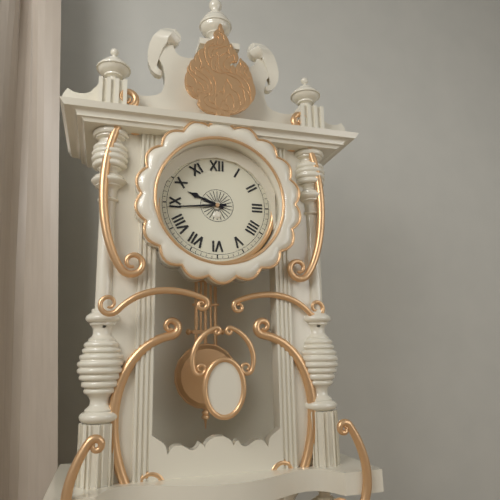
9 h 44 min
